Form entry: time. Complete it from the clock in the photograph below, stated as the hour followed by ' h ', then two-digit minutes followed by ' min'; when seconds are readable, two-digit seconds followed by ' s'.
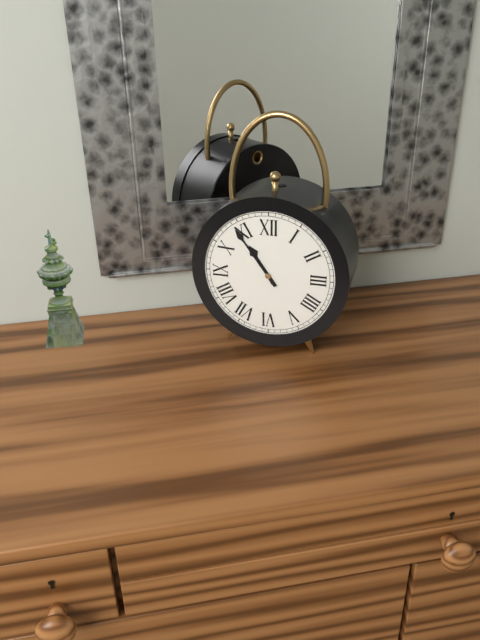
10 h 54 min
